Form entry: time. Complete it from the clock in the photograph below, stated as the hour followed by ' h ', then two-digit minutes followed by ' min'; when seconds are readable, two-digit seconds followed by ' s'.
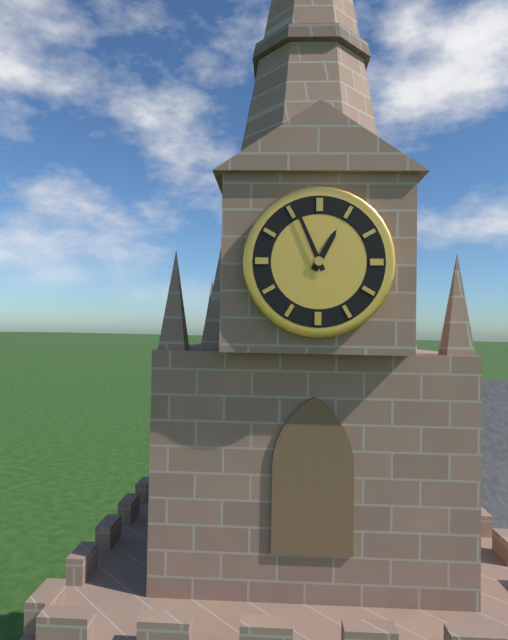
12 h 56 min
